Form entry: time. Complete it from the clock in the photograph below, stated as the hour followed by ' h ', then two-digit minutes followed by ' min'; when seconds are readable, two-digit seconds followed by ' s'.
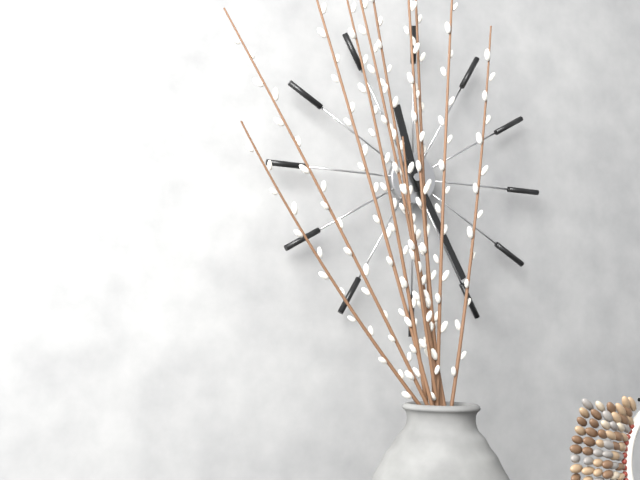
11 h 25 min
